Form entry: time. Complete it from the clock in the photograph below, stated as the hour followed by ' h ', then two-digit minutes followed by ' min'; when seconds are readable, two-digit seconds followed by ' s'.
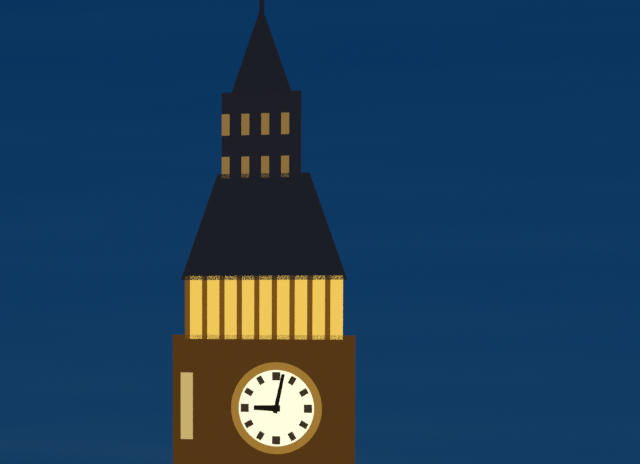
9 h 02 min
